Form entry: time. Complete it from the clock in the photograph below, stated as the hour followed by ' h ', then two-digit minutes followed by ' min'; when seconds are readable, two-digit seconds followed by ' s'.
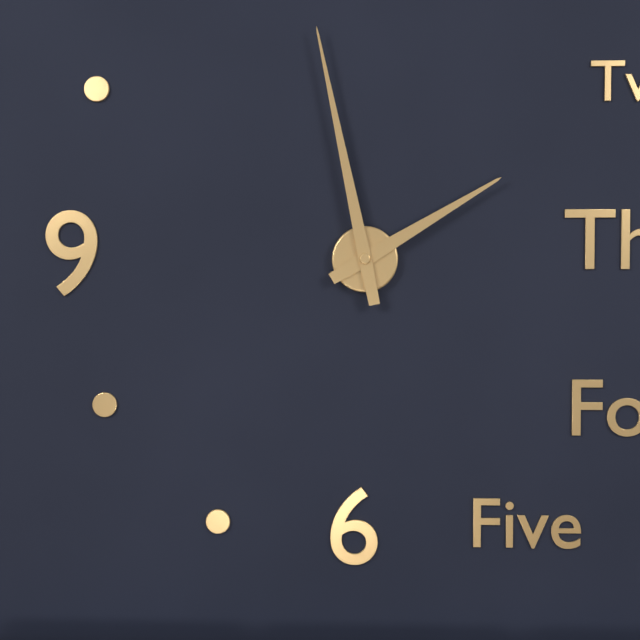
1 h 58 min
